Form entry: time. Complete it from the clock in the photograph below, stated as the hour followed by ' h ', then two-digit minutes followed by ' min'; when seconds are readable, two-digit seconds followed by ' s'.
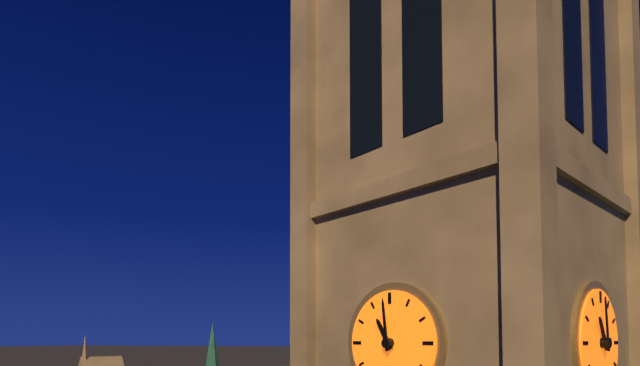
10 h 59 min
